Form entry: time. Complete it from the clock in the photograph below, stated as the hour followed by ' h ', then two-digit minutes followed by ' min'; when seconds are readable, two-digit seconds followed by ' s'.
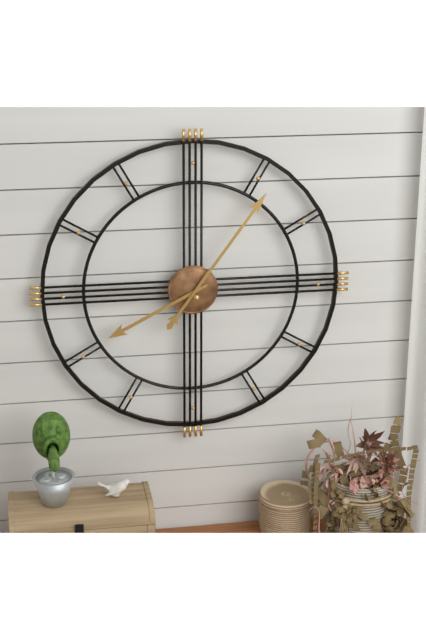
8 h 06 min
